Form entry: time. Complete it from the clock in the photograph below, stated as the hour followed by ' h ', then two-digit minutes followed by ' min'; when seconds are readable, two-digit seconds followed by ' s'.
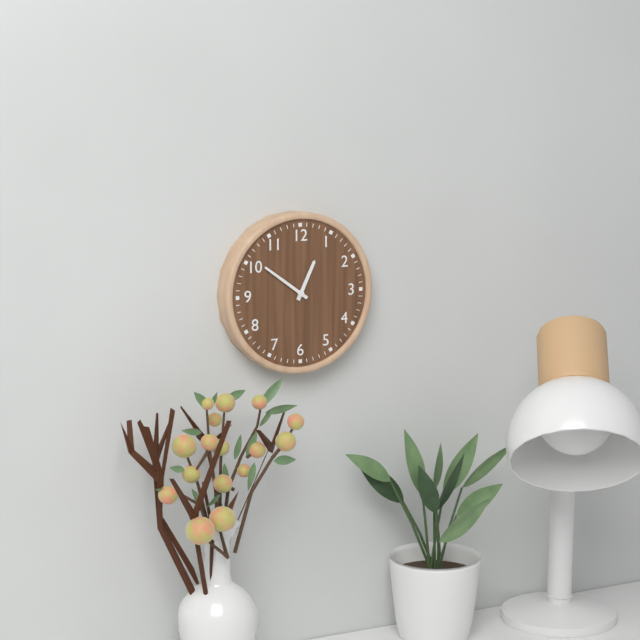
12 h 51 min
